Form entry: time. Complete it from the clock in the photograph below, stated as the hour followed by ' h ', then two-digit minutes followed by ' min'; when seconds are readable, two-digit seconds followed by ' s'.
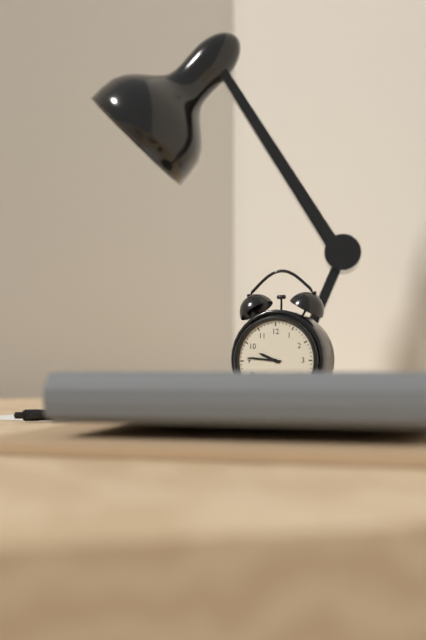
9 h 46 min
